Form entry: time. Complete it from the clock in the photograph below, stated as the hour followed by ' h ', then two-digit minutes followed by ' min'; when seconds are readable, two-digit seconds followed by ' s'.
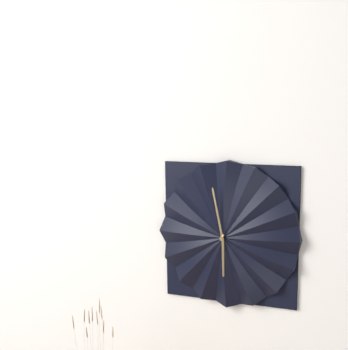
5 h 58 min
